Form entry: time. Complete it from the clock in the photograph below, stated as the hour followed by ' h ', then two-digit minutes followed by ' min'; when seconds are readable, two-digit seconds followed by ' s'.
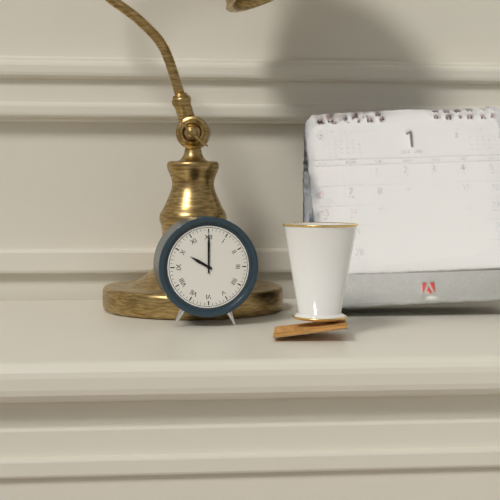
10 h 00 min
